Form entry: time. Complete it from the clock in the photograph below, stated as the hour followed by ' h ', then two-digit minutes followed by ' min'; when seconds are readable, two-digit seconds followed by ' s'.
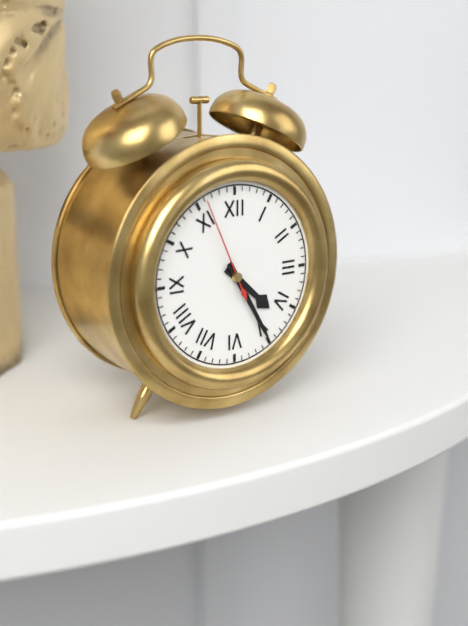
4 h 25 min 56 s
